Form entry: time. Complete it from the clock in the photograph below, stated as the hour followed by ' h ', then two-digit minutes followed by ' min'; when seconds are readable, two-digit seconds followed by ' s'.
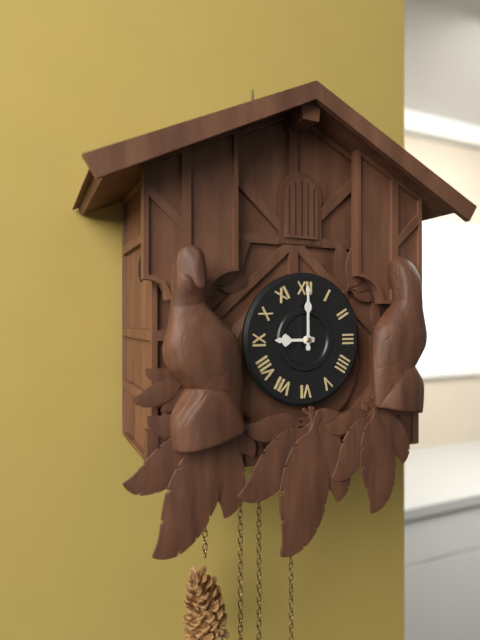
9 h 00 min
